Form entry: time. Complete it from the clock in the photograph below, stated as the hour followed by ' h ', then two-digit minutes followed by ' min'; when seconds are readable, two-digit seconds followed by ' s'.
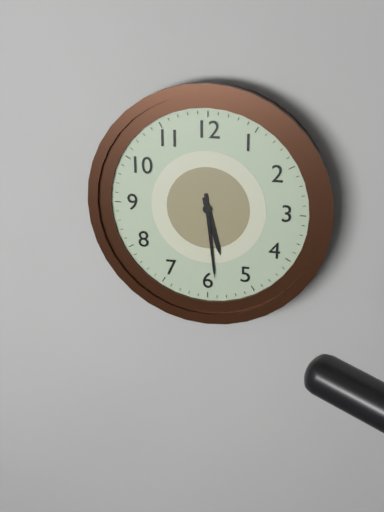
5 h 29 min
